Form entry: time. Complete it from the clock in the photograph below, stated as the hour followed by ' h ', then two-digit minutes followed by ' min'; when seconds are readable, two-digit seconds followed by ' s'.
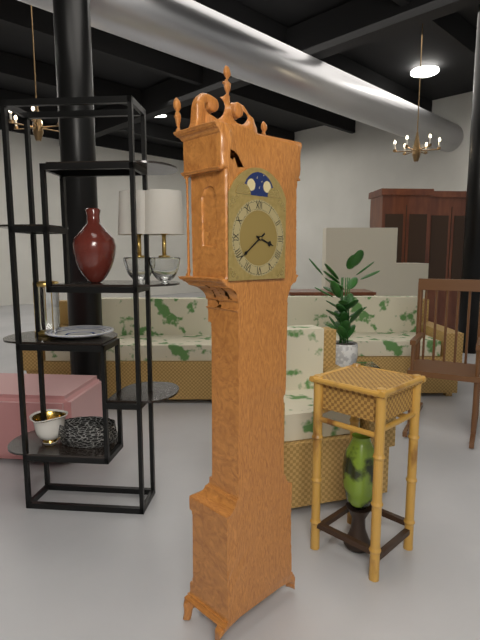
3 h 39 min
